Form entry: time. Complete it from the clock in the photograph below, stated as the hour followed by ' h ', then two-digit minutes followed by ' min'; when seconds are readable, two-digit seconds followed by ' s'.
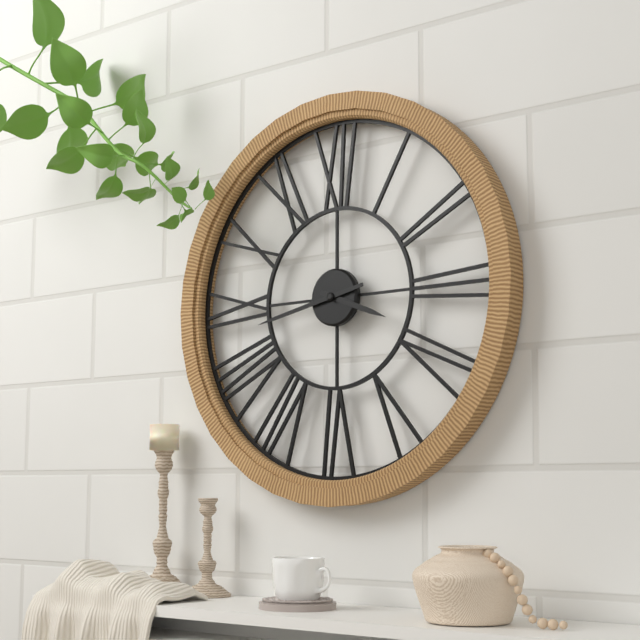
3 h 43 min
